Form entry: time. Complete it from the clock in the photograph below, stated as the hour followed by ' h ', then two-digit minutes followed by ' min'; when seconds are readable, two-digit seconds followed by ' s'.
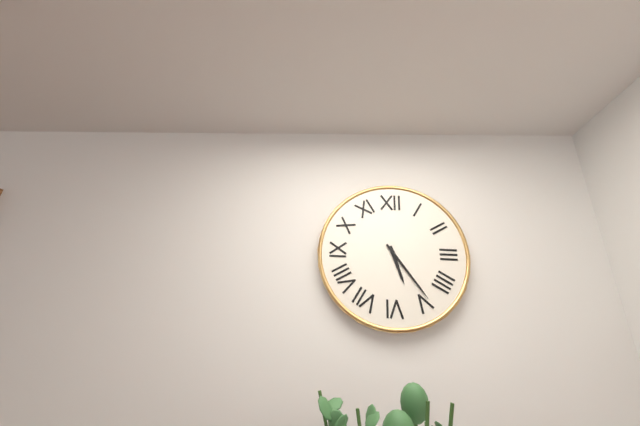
5 h 24 min
